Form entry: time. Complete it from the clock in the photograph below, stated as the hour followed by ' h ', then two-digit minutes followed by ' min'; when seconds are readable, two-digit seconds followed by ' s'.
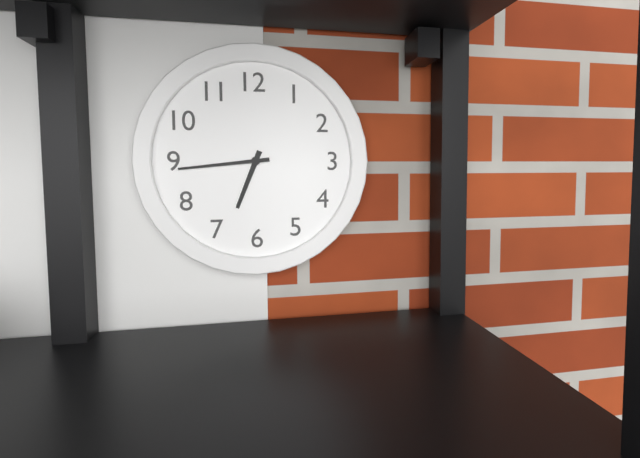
6 h 44 min
